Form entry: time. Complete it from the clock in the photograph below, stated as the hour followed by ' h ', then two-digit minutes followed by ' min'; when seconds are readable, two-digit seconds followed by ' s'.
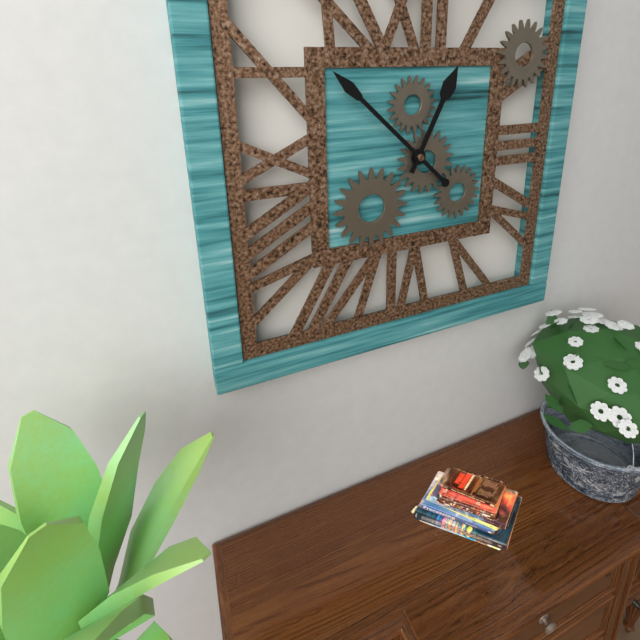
12 h 52 min
